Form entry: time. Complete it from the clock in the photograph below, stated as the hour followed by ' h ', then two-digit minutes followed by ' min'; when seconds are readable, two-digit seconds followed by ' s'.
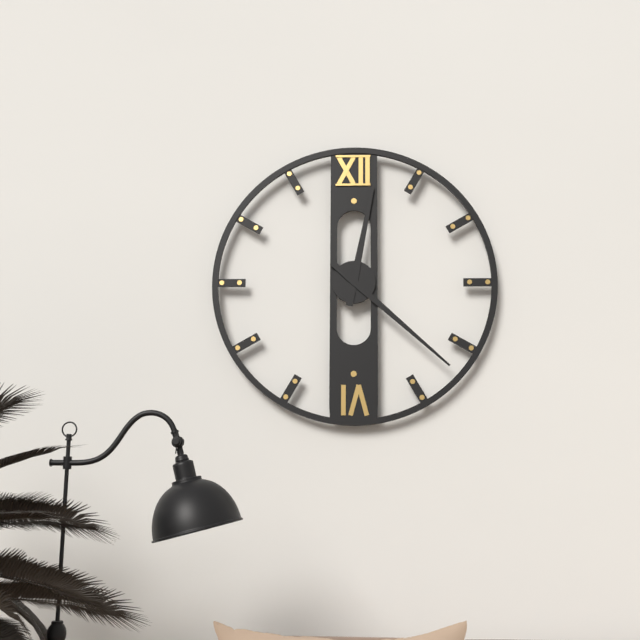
12 h 22 min
